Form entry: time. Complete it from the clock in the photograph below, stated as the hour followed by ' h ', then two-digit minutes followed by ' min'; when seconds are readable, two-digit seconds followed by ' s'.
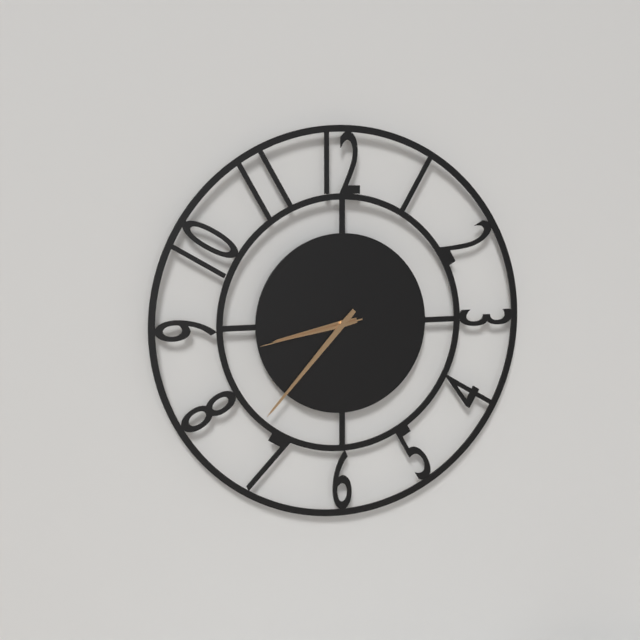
8 h 37 min 43 s
